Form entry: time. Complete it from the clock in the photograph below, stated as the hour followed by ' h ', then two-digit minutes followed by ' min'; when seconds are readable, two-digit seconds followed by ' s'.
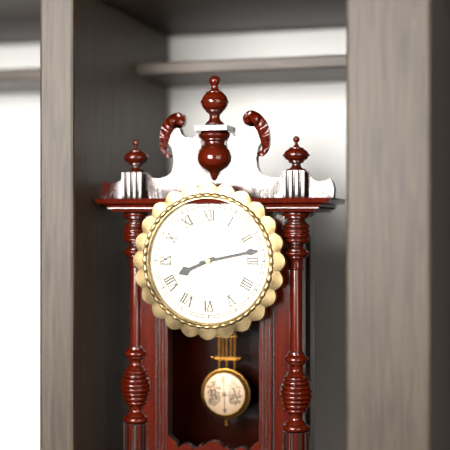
8 h 13 min
